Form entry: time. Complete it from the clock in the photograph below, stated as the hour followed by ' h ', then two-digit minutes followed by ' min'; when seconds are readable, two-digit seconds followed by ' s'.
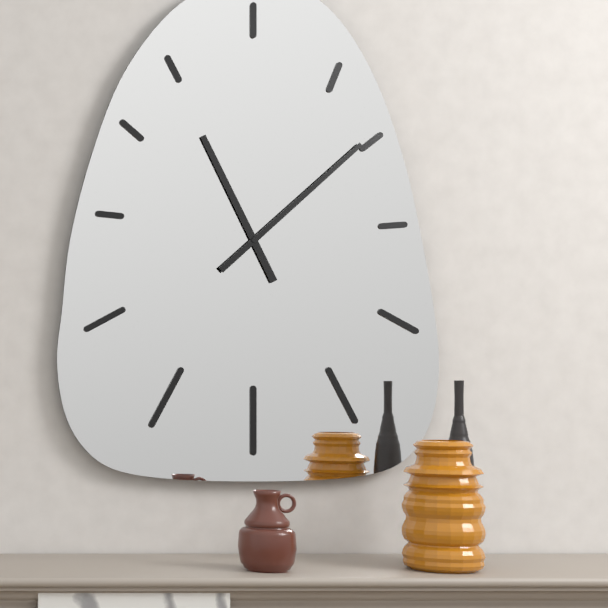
11 h 08 min
